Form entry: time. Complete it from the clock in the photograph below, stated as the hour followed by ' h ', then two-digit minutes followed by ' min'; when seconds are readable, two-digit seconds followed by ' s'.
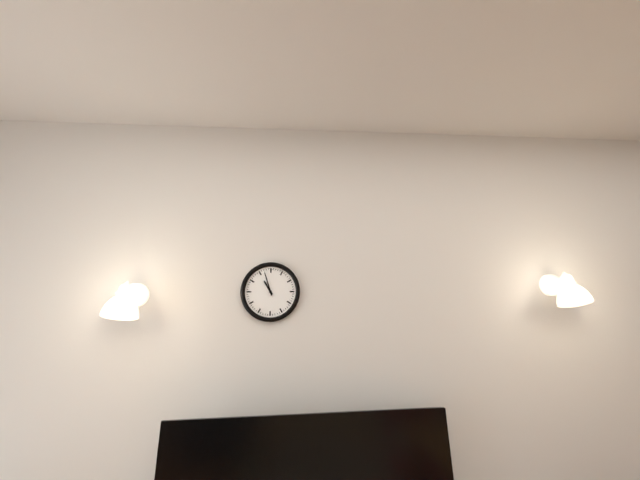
10 h 57 min
